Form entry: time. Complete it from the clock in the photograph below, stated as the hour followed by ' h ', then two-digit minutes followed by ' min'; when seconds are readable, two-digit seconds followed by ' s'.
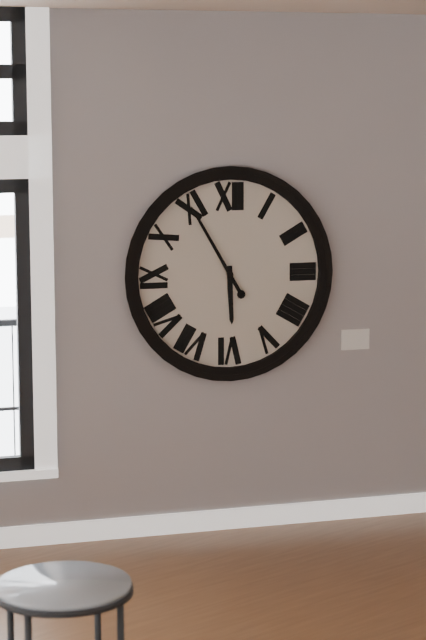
5 h 55 min
